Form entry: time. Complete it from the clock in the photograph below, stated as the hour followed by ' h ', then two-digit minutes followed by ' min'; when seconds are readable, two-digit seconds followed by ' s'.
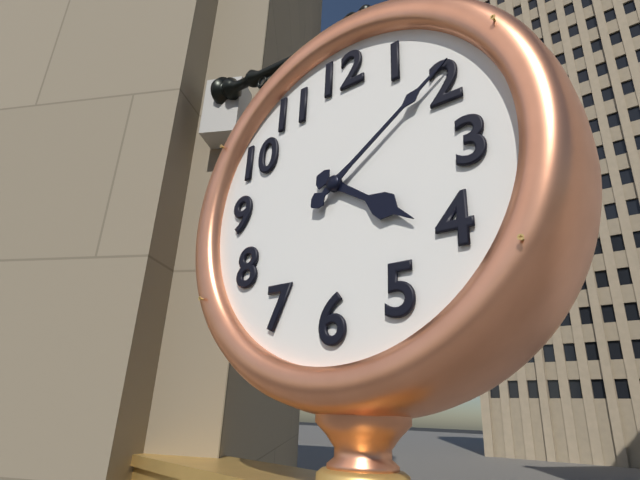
4 h 09 min
